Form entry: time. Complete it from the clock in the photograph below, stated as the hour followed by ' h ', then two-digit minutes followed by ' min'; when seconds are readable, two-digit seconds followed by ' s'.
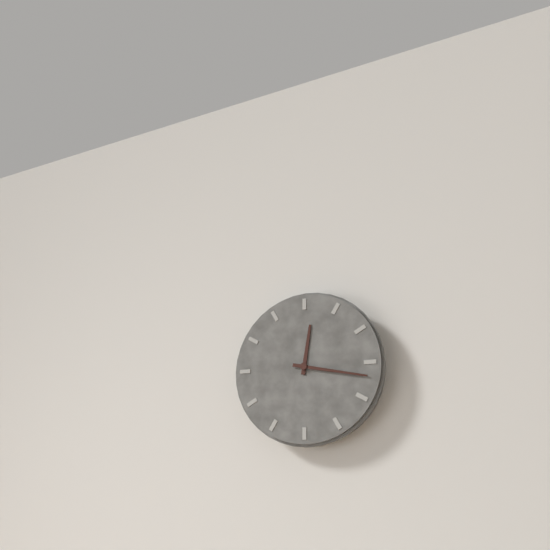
12 h 17 min
